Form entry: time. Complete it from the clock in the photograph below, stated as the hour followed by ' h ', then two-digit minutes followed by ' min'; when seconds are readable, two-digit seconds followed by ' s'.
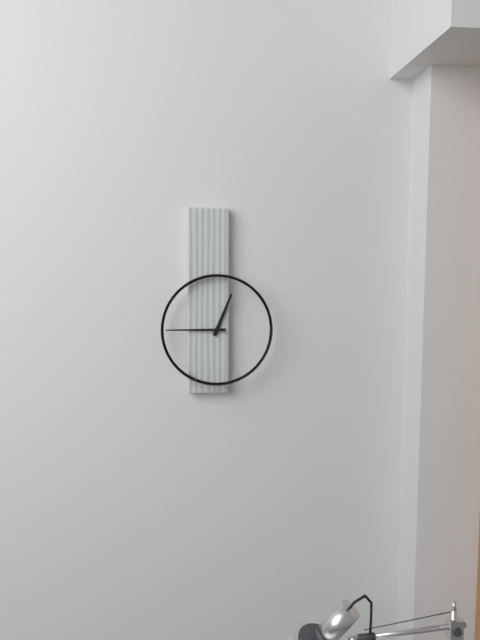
12 h 45 min
